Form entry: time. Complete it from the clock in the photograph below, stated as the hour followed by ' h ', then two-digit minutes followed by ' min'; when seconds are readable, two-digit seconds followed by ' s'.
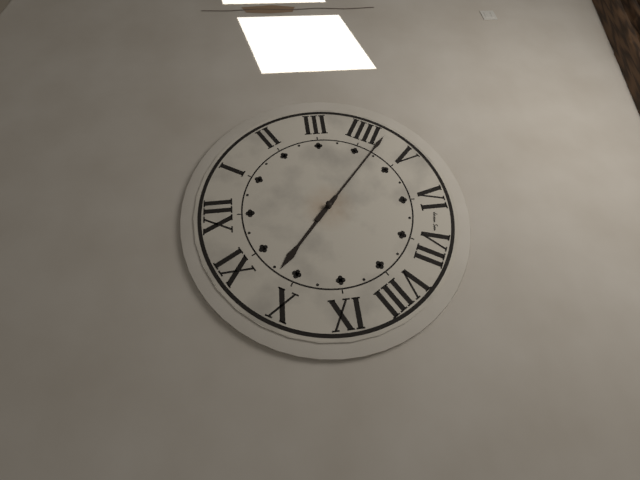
10 h 22 min
